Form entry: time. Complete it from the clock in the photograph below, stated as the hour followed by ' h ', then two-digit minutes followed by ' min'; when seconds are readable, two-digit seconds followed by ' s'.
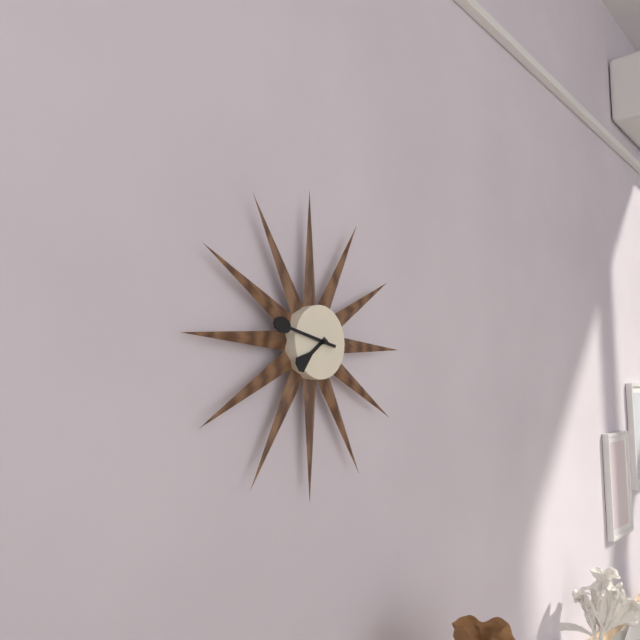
7 h 47 min
